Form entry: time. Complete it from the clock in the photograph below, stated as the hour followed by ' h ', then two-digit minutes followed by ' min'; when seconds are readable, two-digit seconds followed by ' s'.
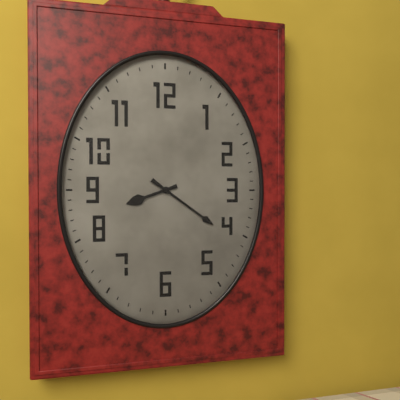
8 h 21 min
